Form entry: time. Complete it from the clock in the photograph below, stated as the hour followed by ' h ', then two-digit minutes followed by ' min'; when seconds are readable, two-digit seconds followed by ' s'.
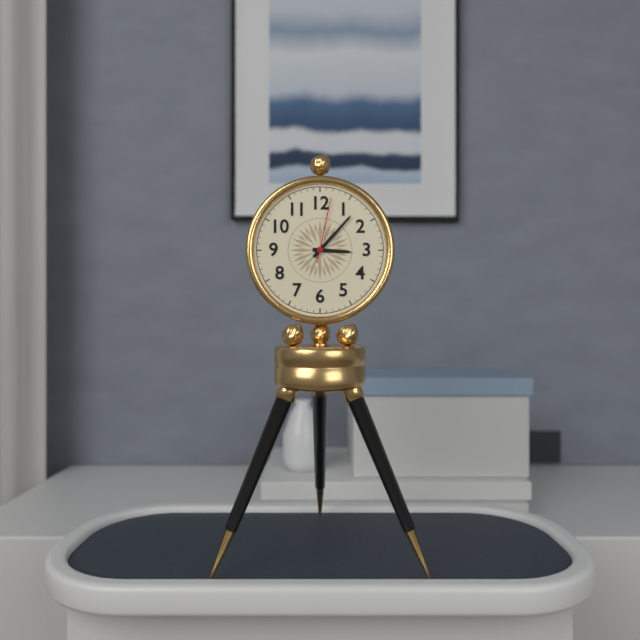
3 h 07 min 02 s
